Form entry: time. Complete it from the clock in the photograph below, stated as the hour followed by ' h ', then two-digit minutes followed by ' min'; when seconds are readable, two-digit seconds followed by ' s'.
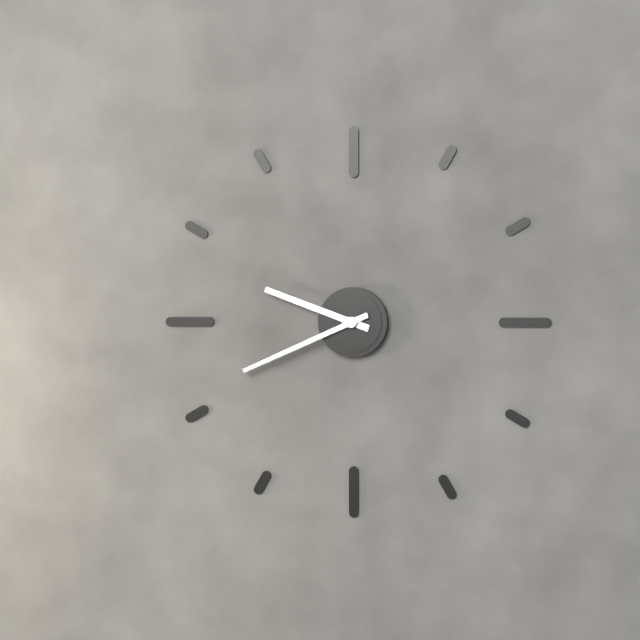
9 h 41 min
